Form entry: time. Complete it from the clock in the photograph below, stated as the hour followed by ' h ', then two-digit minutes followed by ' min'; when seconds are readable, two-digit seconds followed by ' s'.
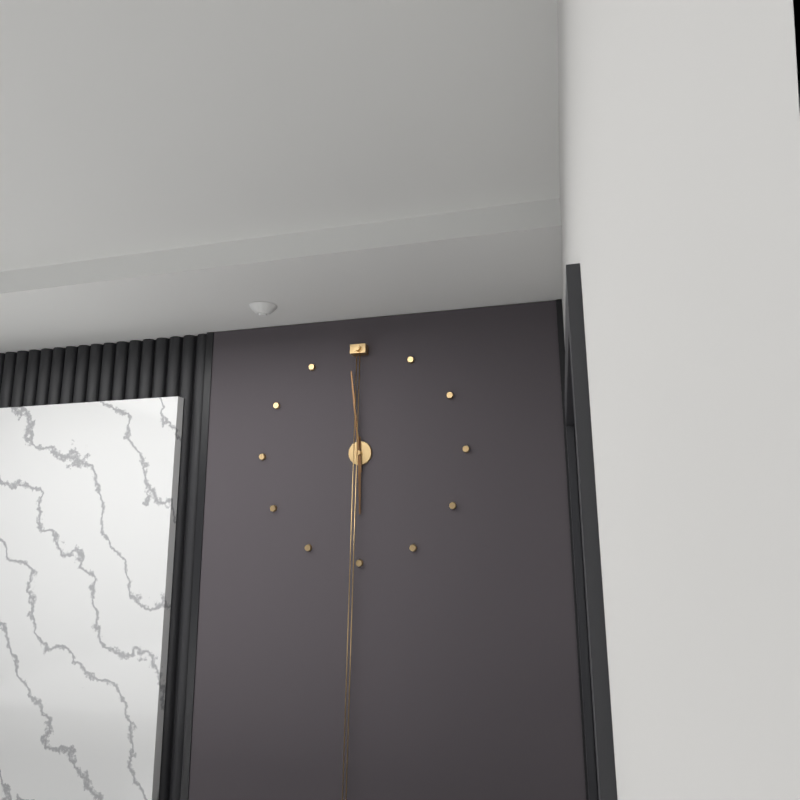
5 h 59 min
